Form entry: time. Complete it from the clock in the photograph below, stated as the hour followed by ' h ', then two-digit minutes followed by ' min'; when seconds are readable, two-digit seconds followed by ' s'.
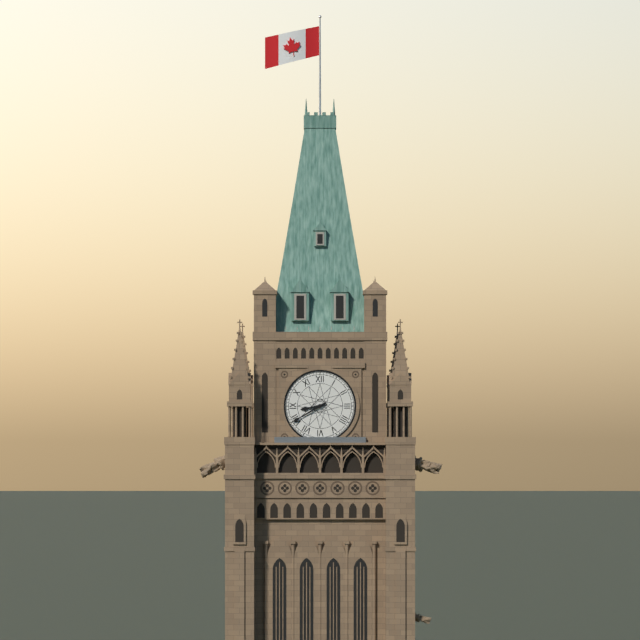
8 h 40 min
